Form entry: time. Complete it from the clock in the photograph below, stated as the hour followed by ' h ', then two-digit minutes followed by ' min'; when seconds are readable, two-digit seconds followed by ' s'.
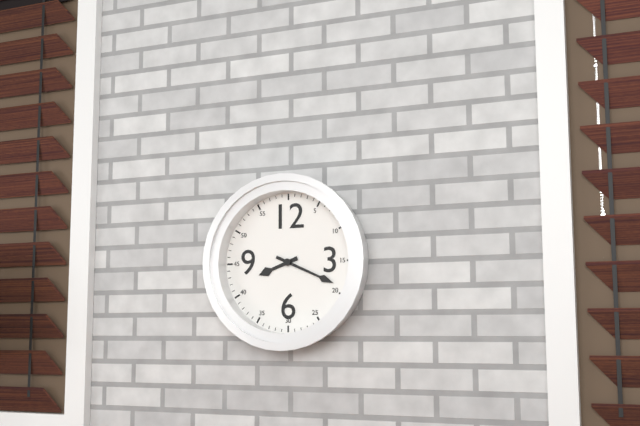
8 h 19 min
